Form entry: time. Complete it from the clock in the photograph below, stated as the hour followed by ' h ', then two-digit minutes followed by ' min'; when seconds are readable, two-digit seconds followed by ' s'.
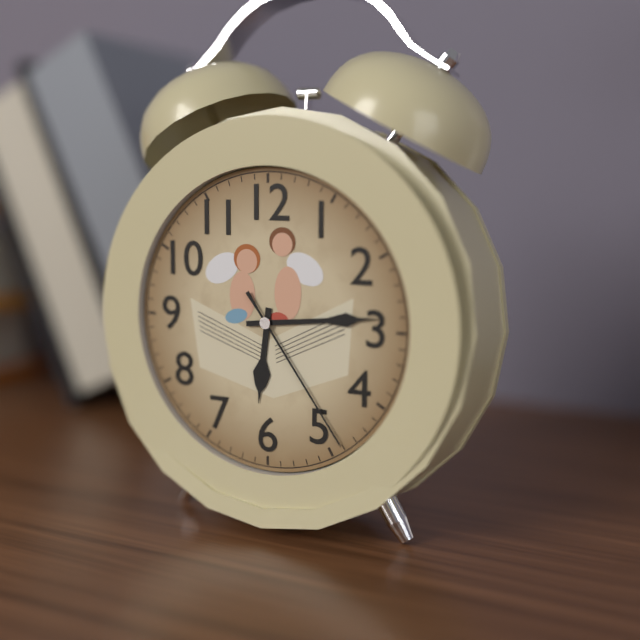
6 h 14 min 24 s
